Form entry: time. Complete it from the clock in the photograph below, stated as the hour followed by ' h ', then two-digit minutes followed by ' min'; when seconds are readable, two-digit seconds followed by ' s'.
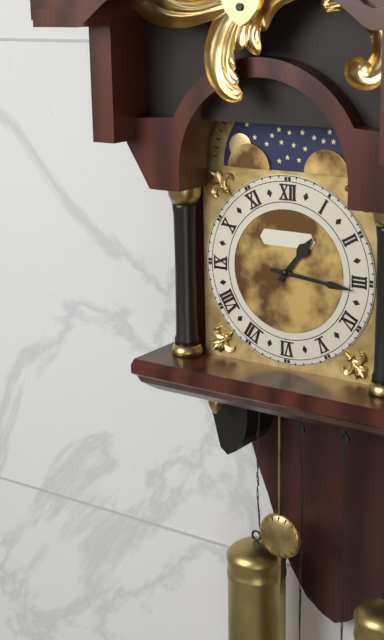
1 h 16 min
